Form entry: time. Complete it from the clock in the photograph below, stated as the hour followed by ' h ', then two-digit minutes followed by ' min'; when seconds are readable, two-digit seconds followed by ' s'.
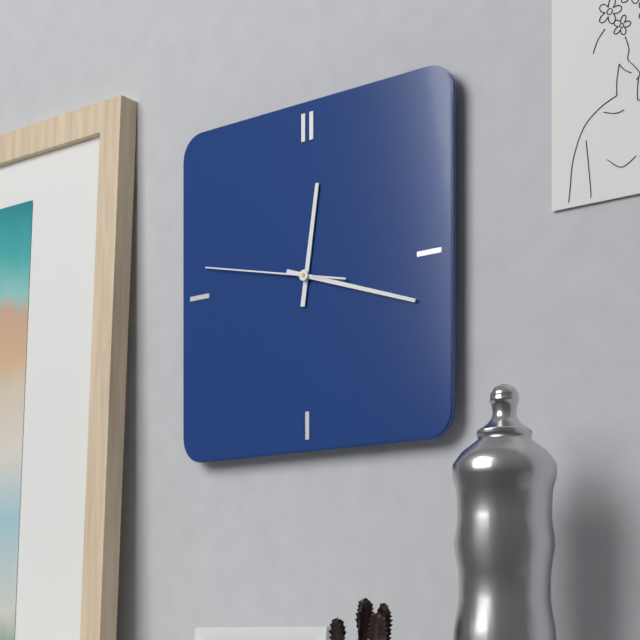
12 h 18 min 47 s
